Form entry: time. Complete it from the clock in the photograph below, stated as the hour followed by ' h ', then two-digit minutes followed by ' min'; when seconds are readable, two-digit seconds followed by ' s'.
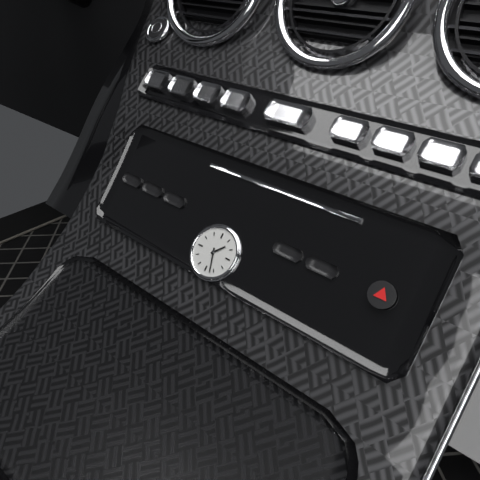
1 h 27 min
